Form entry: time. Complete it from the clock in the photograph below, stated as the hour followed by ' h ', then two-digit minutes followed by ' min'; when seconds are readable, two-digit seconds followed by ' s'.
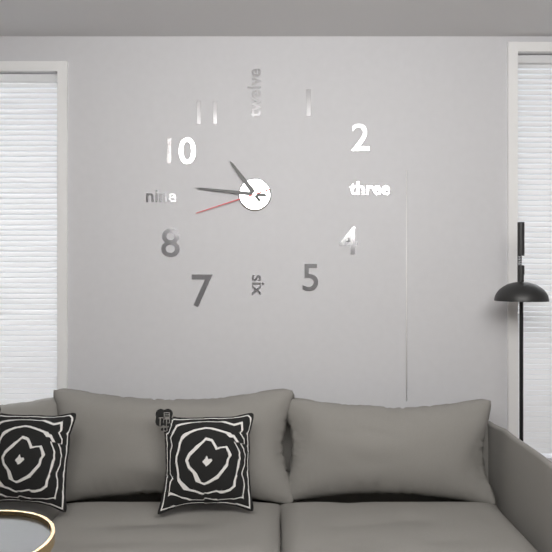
10 h 46 min 42 s
